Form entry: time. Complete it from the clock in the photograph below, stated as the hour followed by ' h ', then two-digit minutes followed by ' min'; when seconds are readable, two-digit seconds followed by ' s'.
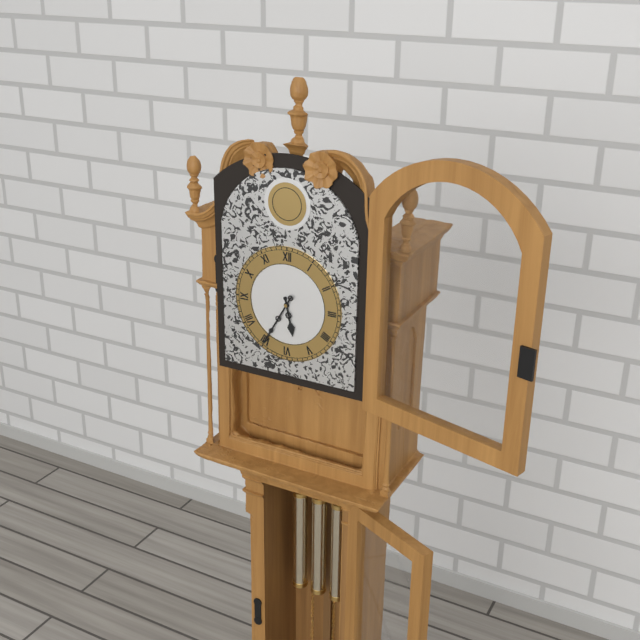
5 h 35 min
